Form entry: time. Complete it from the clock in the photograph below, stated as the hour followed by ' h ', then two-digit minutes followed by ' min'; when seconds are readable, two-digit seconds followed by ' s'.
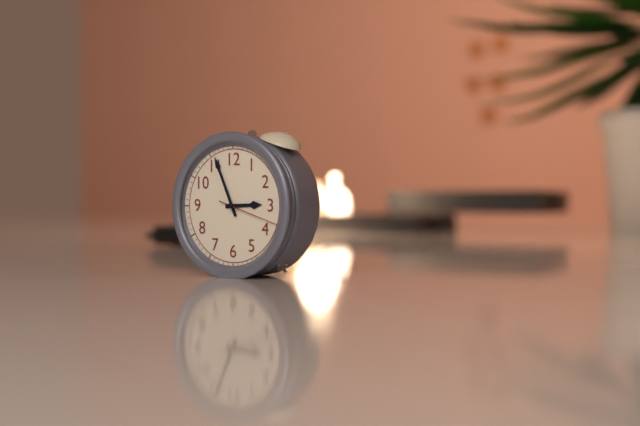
2 h 56 min 18 s
